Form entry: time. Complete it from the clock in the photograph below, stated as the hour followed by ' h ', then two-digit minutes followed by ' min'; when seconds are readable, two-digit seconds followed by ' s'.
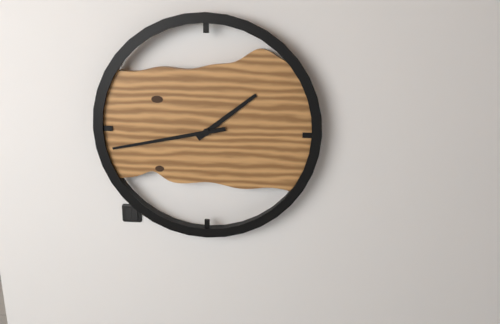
1 h 43 min
